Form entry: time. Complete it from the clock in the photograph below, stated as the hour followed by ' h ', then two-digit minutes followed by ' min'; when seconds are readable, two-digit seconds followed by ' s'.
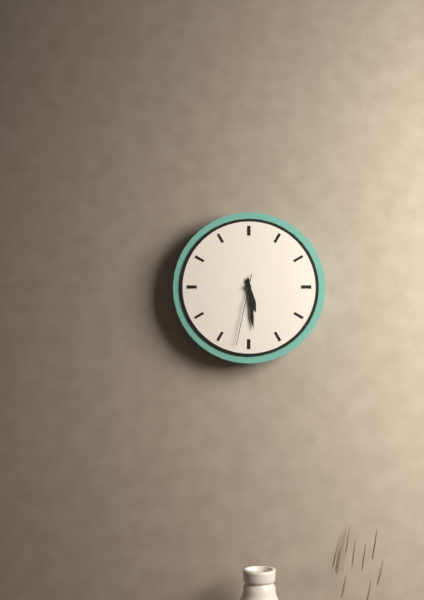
5 h 29 min 32 s
